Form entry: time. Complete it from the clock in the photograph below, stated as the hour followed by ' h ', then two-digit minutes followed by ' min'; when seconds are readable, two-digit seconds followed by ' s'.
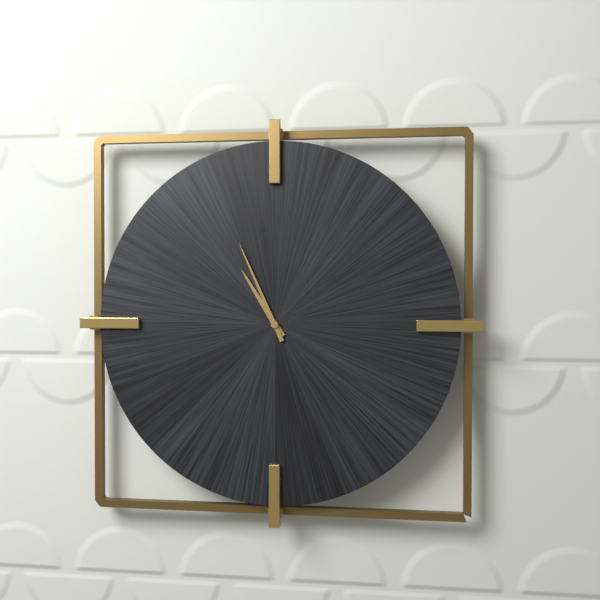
10 h 56 min
